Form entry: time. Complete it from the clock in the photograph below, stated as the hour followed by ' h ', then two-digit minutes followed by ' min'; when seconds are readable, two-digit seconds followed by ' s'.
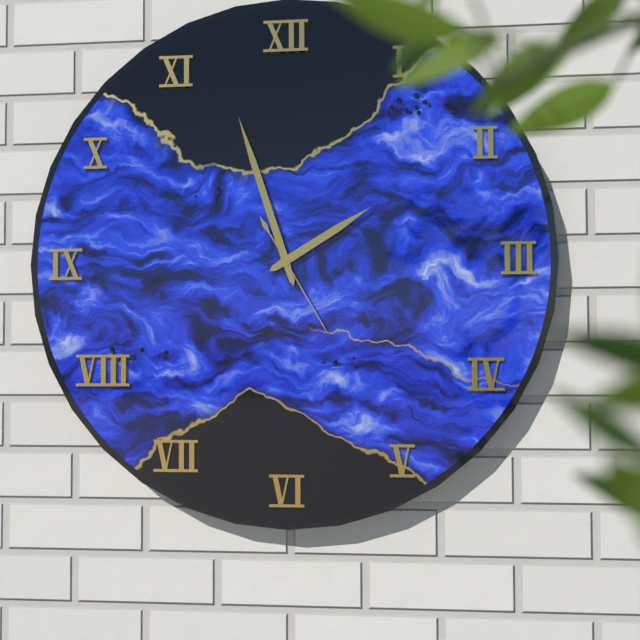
1 h 57 min 25 s
